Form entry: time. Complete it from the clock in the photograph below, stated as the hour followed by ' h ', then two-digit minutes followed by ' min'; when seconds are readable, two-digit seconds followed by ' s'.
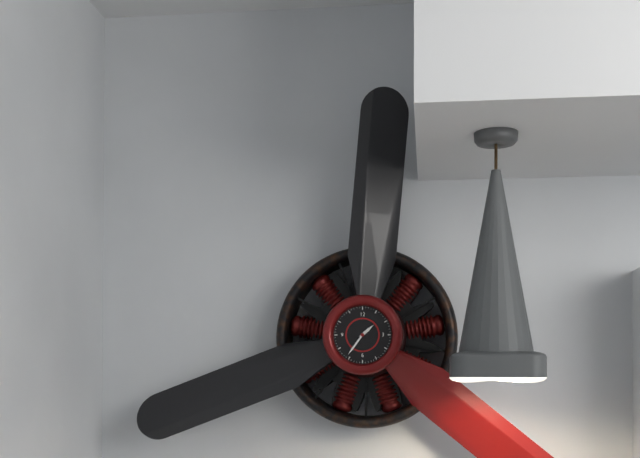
1 h 36 min
